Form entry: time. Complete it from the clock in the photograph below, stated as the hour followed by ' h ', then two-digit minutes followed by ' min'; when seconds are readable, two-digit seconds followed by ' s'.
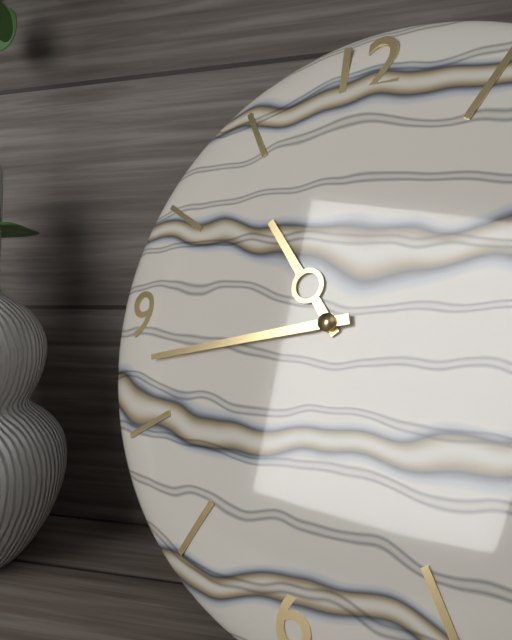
10 h 43 min
